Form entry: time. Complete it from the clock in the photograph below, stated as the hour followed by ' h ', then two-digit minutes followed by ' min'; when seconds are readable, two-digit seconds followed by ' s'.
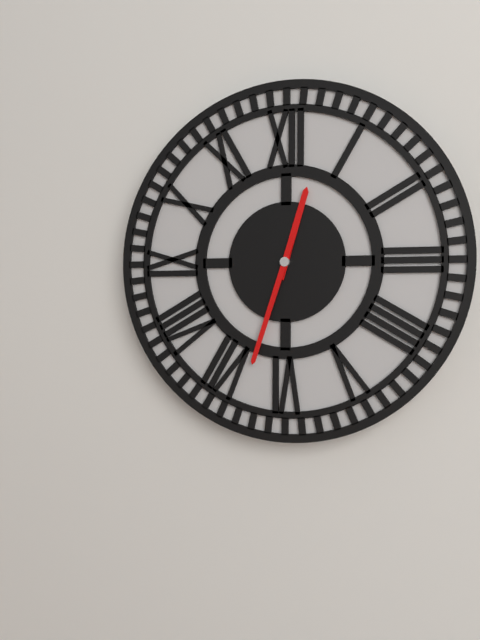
12 h 33 min
